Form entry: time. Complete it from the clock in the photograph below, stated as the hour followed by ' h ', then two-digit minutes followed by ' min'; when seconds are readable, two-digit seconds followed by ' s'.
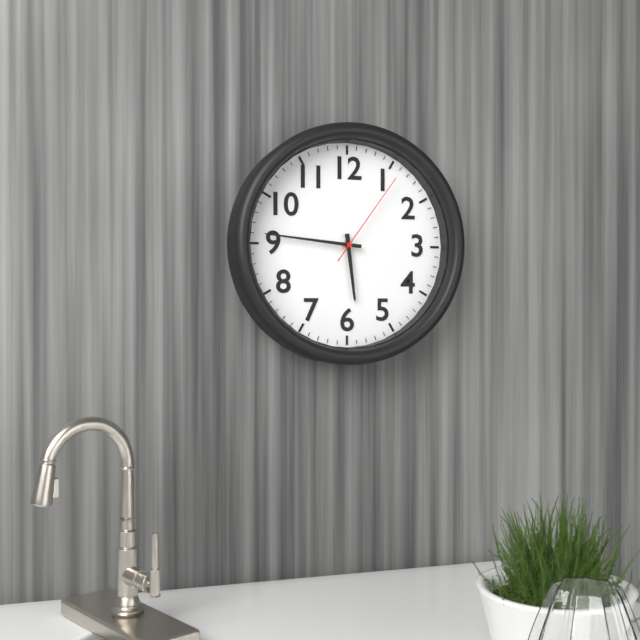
5 h 46 min 06 s
